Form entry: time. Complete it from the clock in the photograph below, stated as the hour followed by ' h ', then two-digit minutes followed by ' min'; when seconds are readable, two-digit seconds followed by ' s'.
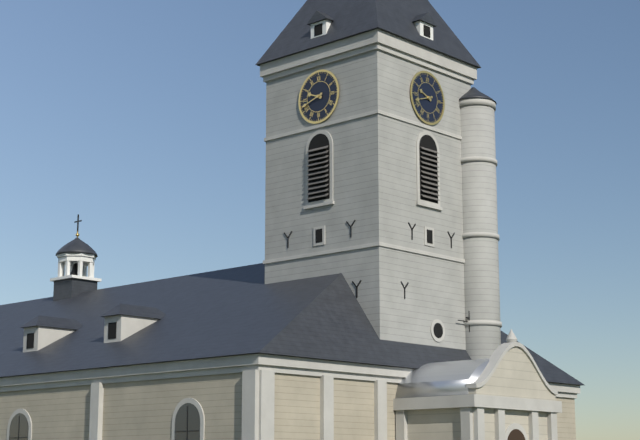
9 h 42 min
